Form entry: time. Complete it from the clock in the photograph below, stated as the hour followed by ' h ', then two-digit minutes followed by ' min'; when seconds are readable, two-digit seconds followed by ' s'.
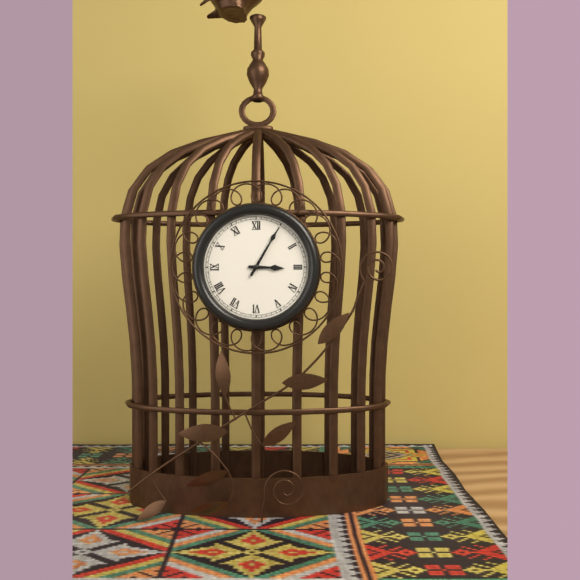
3 h 05 min
